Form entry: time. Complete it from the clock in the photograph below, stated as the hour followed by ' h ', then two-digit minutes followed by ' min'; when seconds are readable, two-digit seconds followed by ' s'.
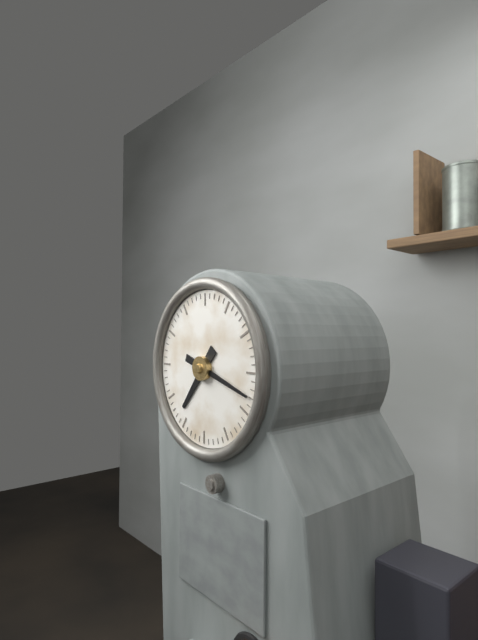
7 h 18 min
